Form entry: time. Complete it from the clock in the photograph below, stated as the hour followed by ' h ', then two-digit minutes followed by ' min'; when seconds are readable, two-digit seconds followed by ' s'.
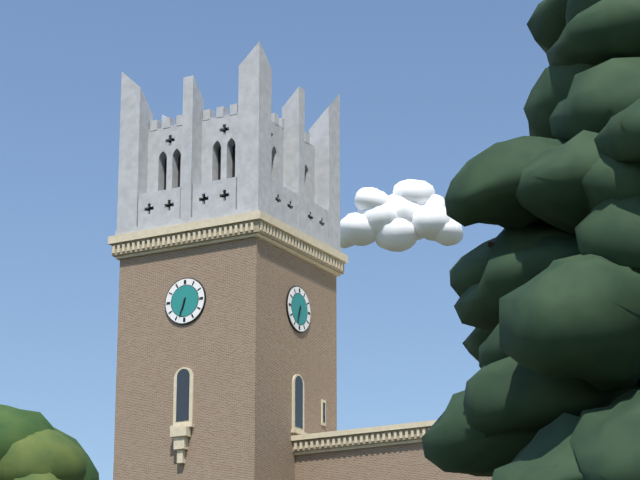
6 h 33 min
